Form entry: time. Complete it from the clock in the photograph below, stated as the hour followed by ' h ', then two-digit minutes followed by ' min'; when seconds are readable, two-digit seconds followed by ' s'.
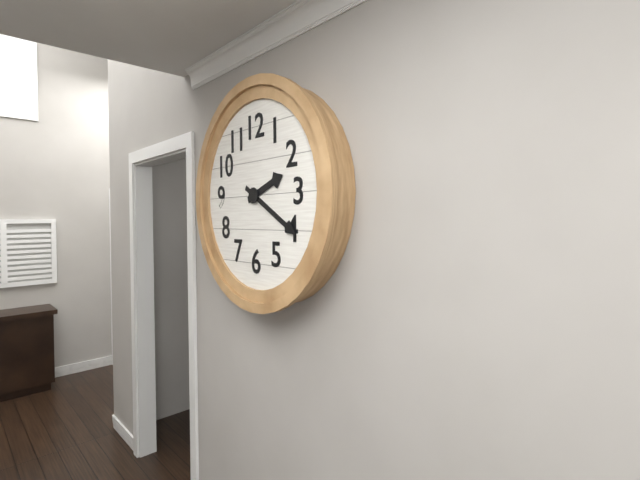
2 h 20 min
